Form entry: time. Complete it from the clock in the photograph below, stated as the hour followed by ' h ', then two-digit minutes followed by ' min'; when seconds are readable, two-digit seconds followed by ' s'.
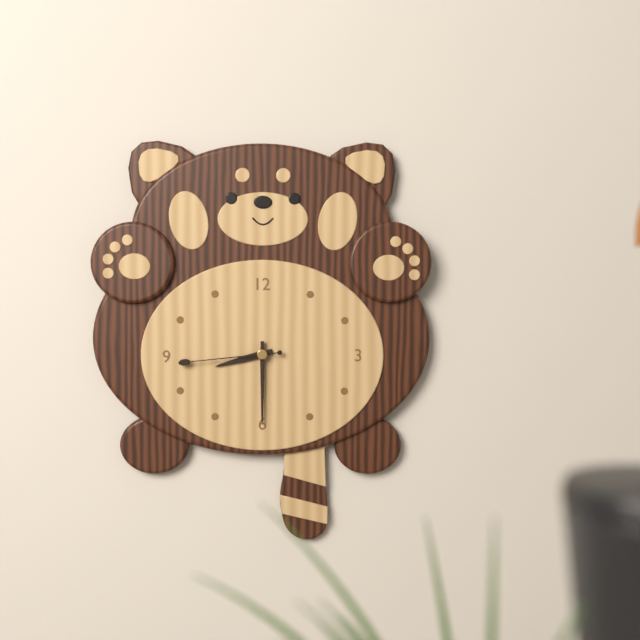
8 h 30 min 44 s
